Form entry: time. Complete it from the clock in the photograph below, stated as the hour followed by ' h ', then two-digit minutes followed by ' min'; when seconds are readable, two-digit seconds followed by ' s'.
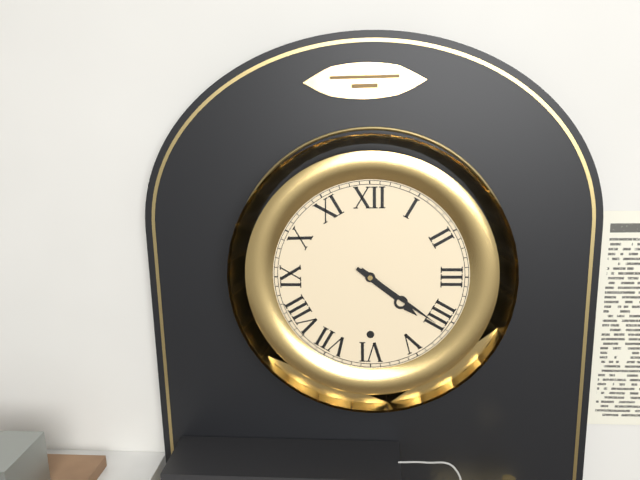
4 h 21 min
